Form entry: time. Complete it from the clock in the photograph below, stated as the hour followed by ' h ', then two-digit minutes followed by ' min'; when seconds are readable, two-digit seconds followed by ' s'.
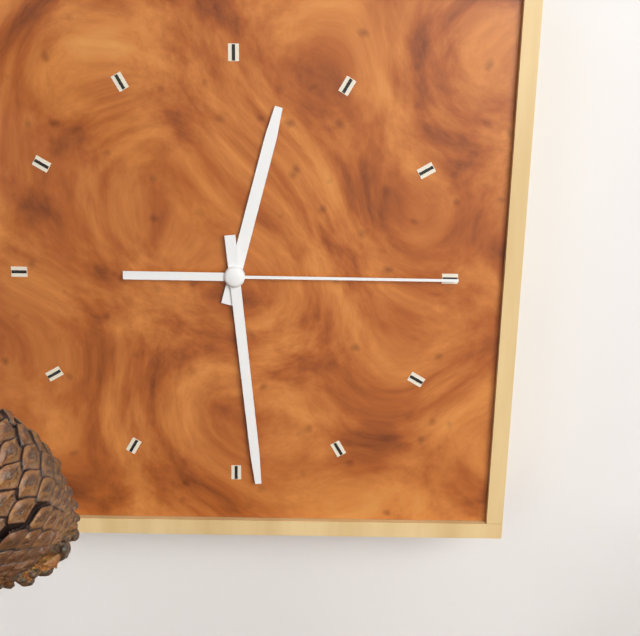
12 h 29 min 15 s
